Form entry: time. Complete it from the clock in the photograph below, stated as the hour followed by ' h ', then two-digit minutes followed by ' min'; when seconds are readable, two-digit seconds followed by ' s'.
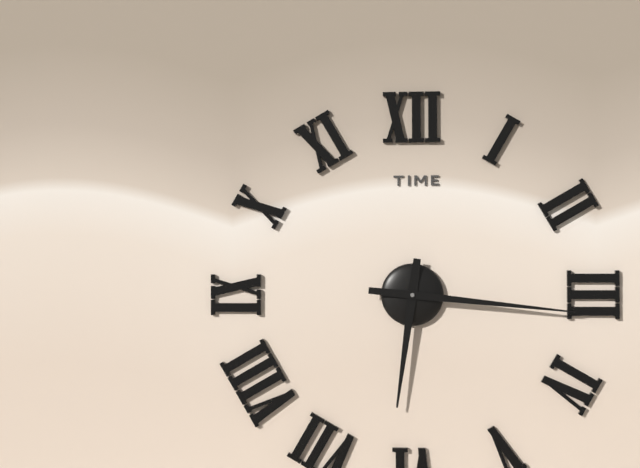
6 h 16 min
